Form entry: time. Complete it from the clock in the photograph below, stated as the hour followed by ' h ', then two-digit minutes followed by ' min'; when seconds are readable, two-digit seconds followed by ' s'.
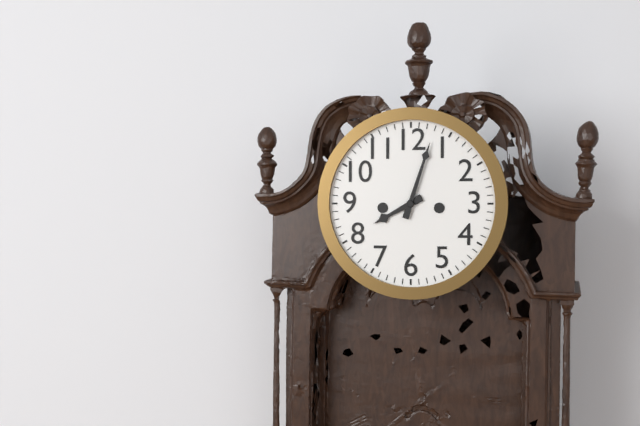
8 h 03 min
